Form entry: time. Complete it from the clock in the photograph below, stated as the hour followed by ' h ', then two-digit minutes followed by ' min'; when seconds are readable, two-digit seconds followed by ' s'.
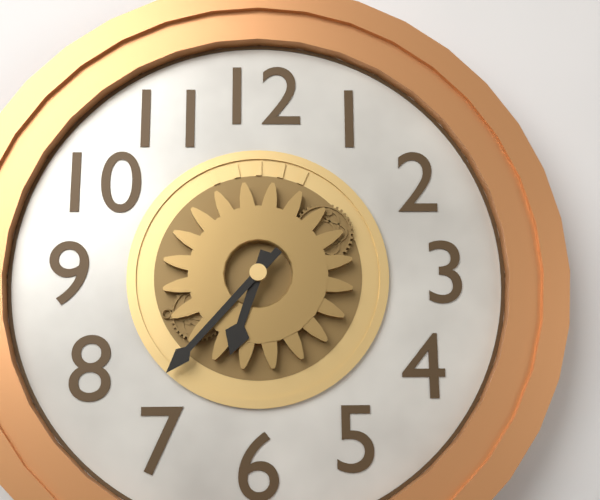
6 h 37 min
